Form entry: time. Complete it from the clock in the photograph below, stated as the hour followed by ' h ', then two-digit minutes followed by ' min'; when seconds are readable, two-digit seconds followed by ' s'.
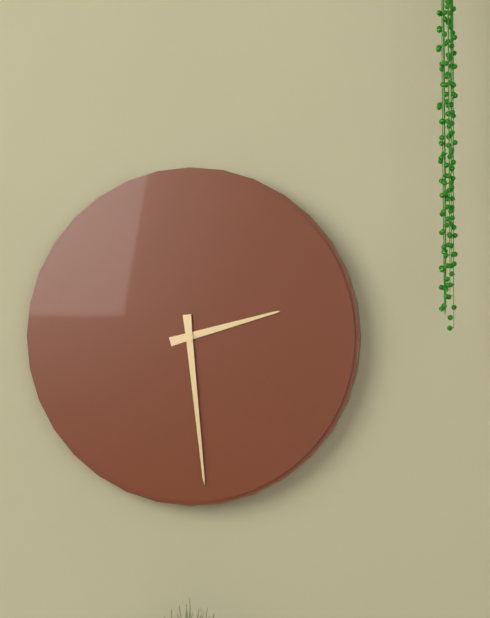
2 h 29 min
